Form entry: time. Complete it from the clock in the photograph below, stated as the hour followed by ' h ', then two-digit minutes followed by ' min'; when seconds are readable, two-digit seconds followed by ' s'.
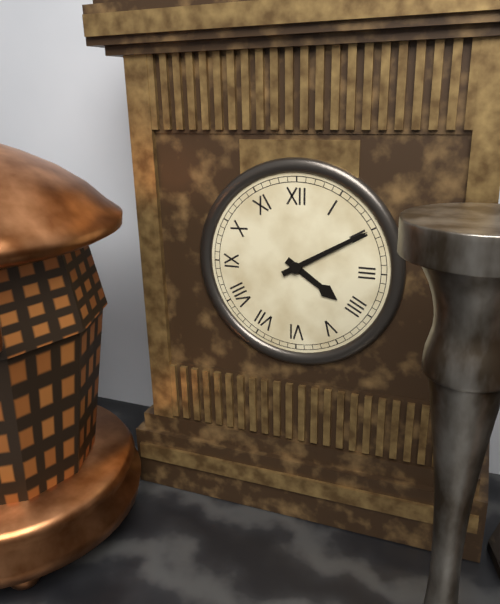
4 h 10 min
